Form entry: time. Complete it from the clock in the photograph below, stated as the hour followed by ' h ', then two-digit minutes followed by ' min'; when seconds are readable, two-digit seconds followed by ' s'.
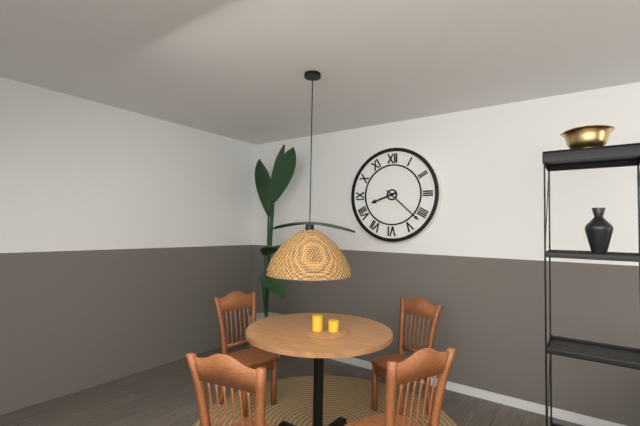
8 h 22 min
